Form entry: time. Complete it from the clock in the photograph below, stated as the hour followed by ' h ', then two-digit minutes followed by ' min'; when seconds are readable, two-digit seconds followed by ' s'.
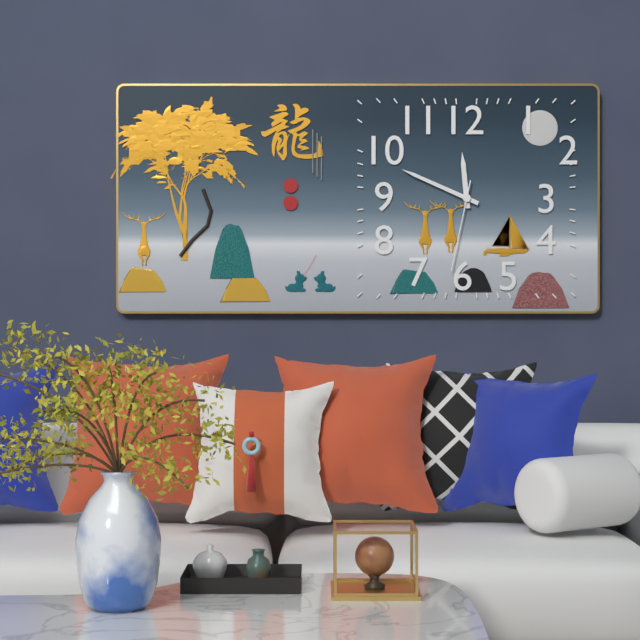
11 h 49 min 32 s
